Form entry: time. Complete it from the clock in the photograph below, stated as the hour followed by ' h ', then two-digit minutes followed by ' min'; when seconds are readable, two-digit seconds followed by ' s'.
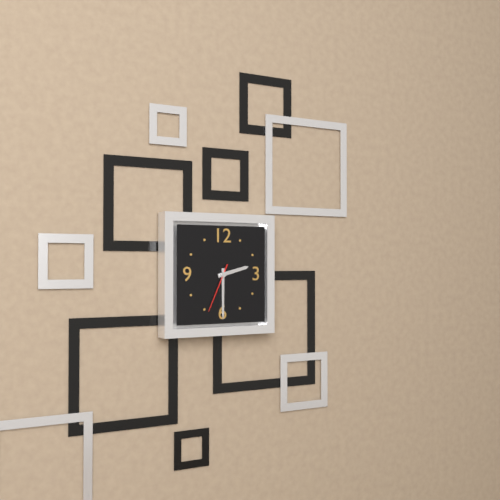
2 h 30 min 34 s
